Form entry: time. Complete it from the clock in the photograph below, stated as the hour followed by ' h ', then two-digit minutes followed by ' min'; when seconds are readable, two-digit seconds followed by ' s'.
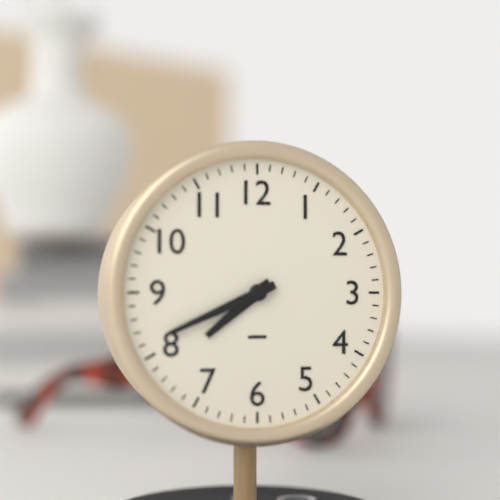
7 h 41 min
